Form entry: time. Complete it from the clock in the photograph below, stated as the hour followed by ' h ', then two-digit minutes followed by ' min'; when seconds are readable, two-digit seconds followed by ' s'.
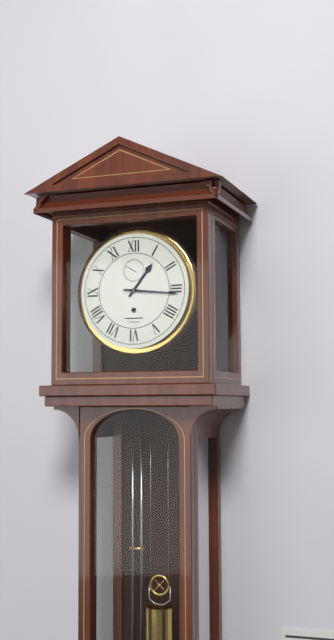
1 h 16 min
